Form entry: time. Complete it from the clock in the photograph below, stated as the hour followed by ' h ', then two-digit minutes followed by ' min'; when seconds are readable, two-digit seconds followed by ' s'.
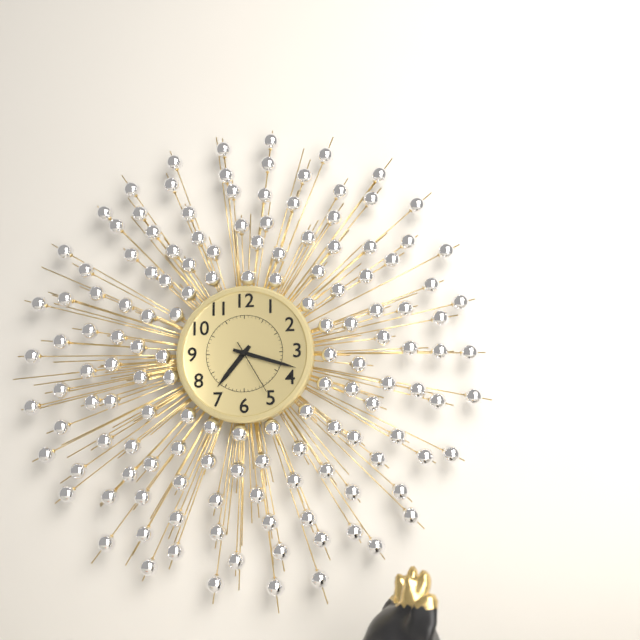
7 h 18 min 25 s
